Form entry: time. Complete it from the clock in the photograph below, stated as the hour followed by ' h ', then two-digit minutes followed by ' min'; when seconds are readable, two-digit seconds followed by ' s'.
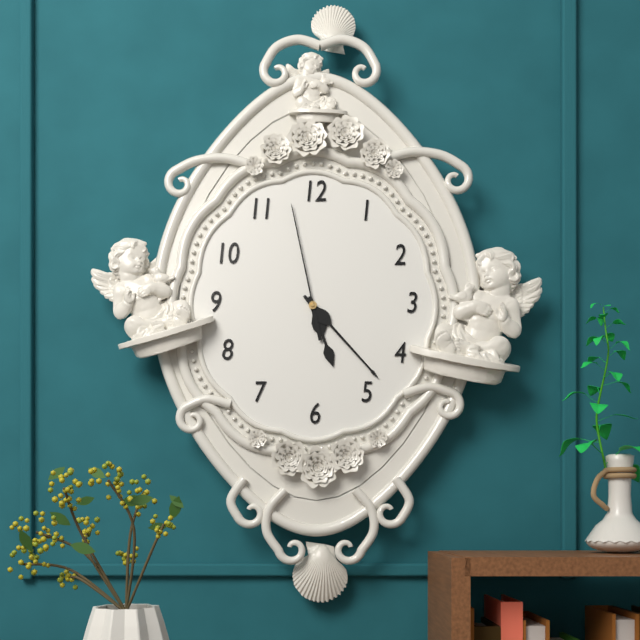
5 h 23 min 58 s
